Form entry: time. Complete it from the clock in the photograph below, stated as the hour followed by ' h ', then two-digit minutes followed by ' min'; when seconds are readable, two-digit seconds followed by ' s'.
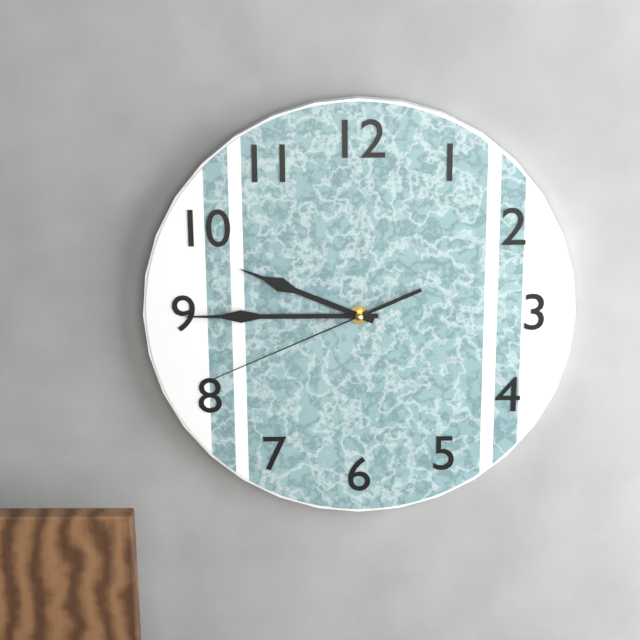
9 h 45 min 41 s
